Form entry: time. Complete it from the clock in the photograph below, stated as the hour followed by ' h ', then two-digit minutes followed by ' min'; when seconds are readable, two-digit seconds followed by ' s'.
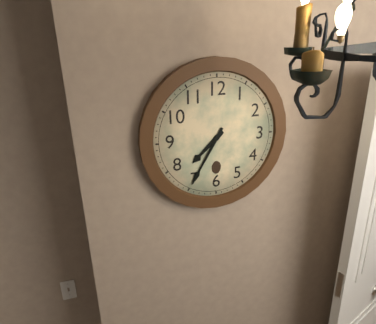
7 h 35 min
